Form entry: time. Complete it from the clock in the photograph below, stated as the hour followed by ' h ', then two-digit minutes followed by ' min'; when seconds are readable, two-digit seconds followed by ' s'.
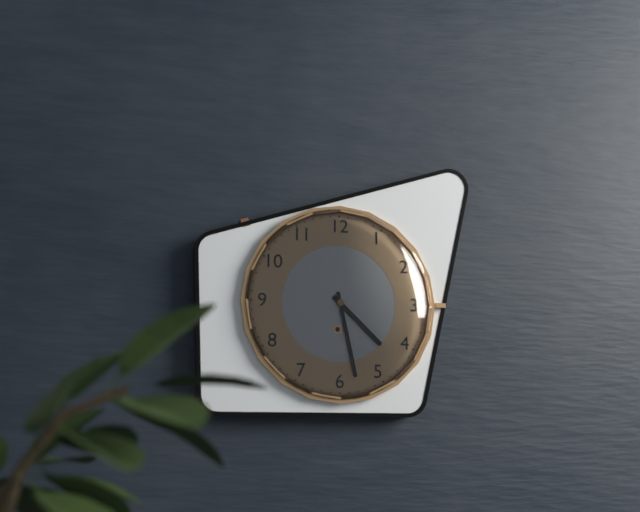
4 h 28 min
